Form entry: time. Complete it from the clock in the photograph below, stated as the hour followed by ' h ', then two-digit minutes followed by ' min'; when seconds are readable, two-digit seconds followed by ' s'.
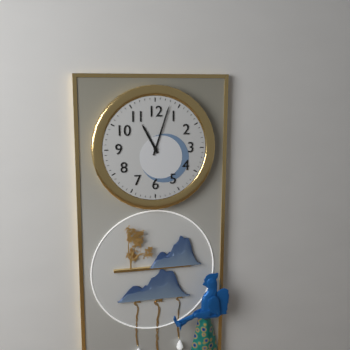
11 h 03 min
